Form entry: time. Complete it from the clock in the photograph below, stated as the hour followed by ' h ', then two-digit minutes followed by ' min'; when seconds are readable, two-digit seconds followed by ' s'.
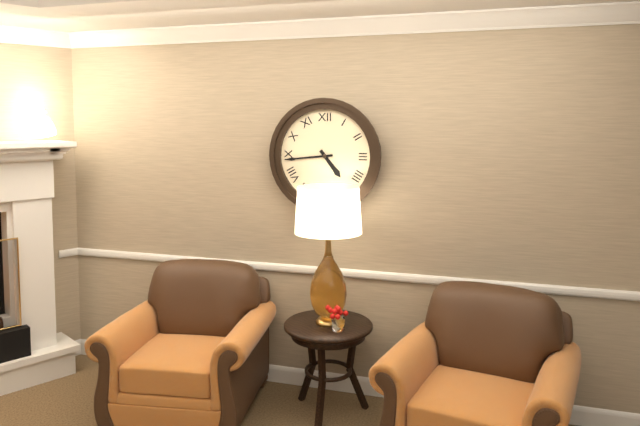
4 h 44 min
